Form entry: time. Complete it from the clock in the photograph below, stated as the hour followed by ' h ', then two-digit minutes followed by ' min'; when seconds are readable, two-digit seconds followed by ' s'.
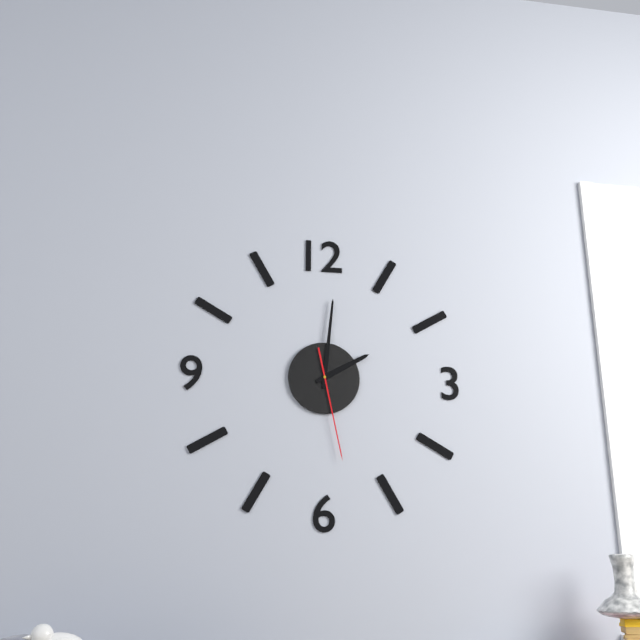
2 h 01 min 28 s
